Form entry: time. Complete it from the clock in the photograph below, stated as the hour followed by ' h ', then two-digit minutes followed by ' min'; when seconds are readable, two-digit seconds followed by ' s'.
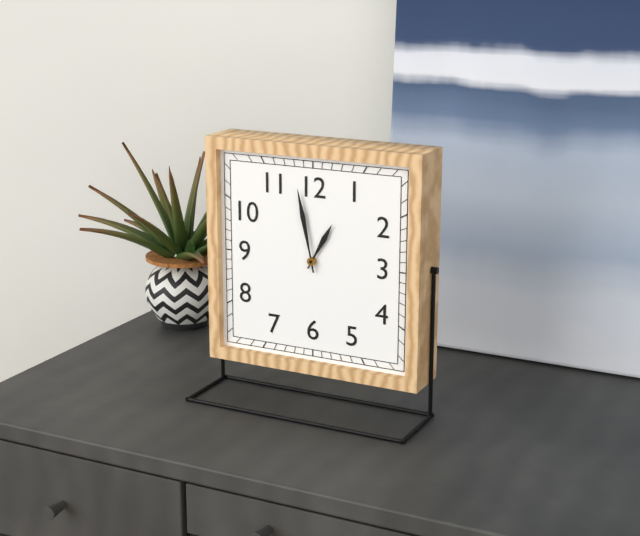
12 h 58 min
